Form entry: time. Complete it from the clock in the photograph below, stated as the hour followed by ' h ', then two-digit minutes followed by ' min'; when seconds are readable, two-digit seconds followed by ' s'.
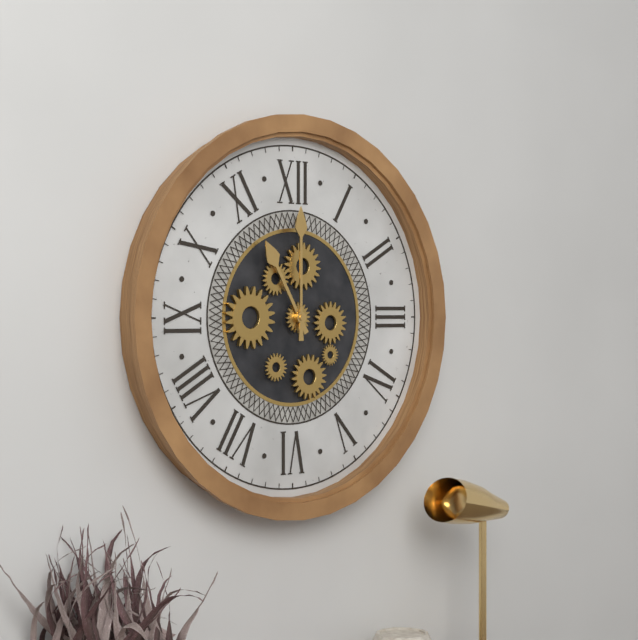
11 h 00 min
